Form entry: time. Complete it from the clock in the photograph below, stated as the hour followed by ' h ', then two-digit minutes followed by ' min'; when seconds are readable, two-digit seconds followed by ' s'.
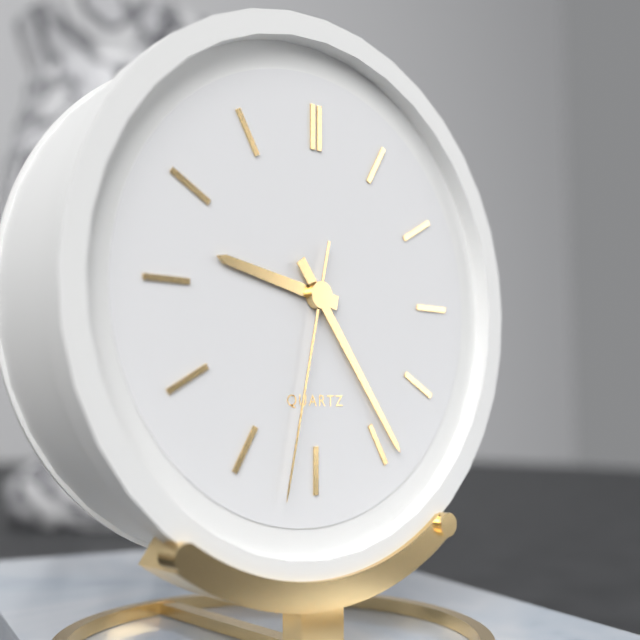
9 h 24 min 32 s
